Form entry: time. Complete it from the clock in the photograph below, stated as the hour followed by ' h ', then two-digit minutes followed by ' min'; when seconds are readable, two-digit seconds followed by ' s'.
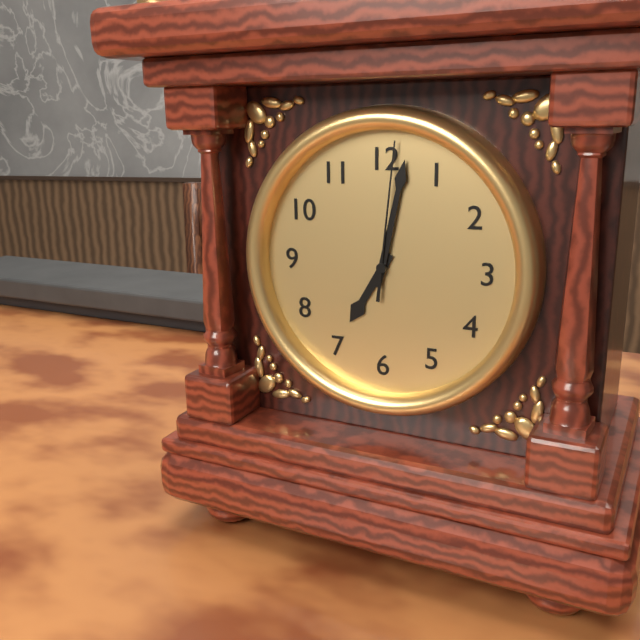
7 h 02 min 01 s
